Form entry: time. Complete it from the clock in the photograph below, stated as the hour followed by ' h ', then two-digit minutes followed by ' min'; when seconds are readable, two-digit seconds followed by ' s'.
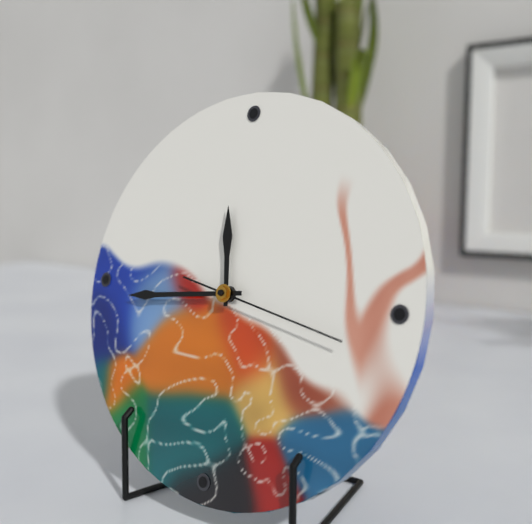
11 h 44 min 17 s
